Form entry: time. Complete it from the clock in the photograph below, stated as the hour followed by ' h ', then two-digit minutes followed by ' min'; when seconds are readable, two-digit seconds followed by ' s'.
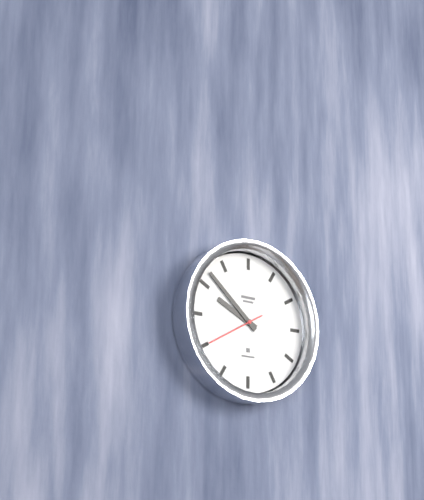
9 h 52 min 40 s
